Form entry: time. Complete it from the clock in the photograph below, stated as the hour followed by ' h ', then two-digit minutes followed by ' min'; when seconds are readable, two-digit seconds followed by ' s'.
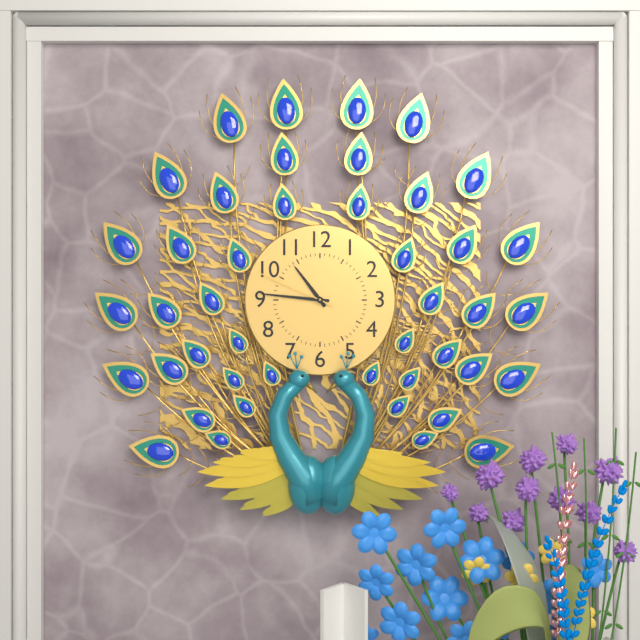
10 h 46 min 49 s
